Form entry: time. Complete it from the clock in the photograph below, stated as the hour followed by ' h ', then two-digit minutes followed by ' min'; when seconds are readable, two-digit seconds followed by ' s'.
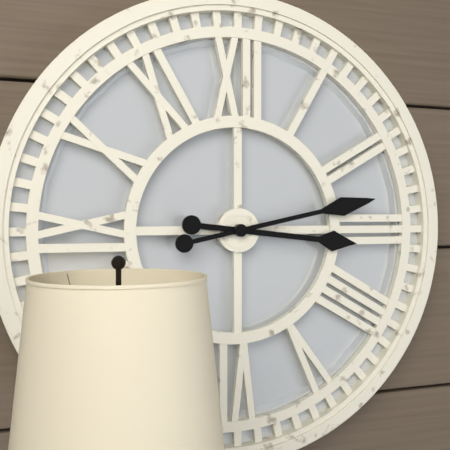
3 h 13 min
